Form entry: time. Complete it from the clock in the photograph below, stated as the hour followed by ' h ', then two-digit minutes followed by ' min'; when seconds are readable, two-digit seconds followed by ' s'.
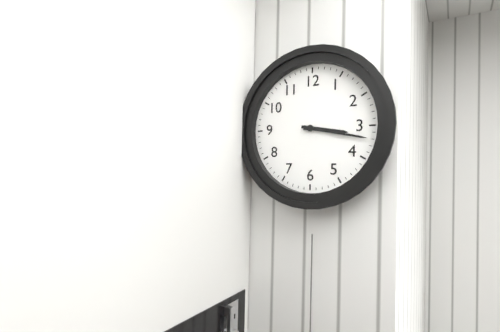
3 h 17 min
